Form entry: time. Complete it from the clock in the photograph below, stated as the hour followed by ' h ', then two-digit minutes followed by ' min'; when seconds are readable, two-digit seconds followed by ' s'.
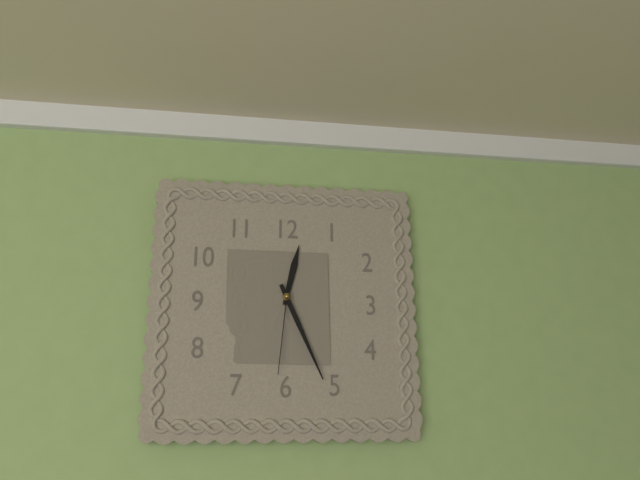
12 h 26 min 31 s
